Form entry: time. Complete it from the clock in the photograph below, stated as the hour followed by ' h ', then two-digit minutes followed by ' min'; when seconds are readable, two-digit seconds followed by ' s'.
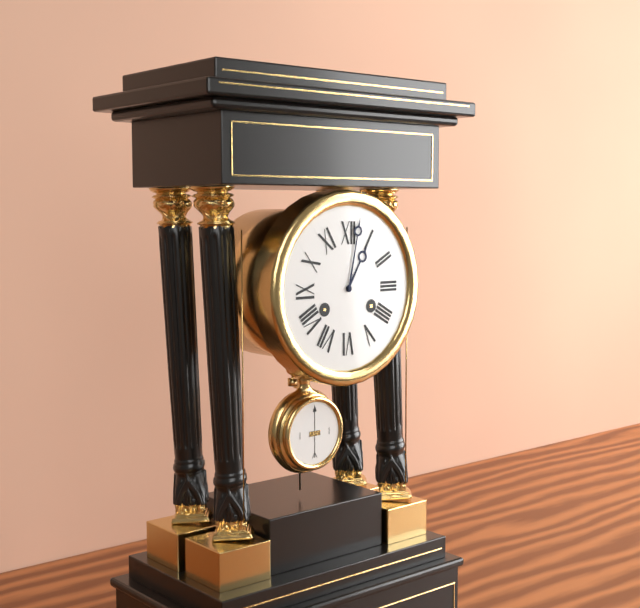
1 h 02 min
